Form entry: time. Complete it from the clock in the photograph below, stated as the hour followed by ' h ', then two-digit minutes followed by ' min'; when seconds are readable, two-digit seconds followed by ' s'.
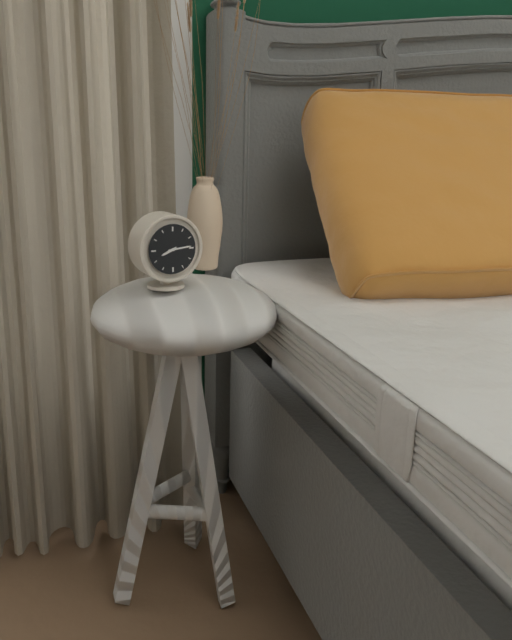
8 h 14 min
